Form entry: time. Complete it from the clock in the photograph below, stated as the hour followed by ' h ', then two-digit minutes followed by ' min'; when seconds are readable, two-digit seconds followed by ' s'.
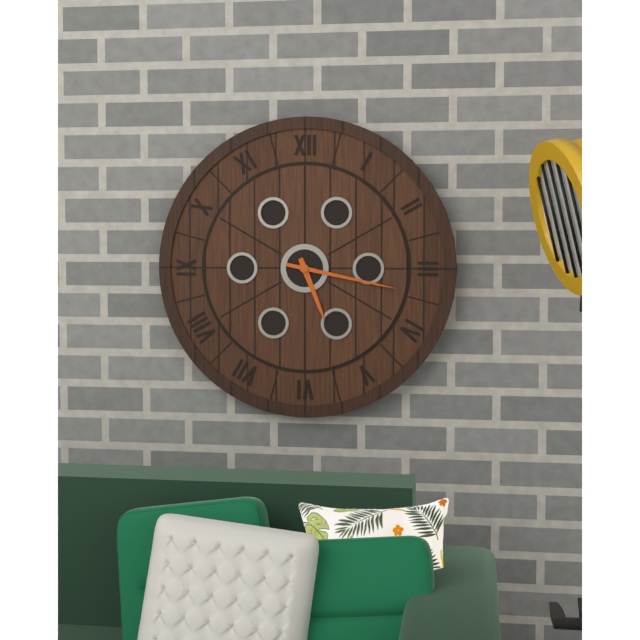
5 h 17 min
